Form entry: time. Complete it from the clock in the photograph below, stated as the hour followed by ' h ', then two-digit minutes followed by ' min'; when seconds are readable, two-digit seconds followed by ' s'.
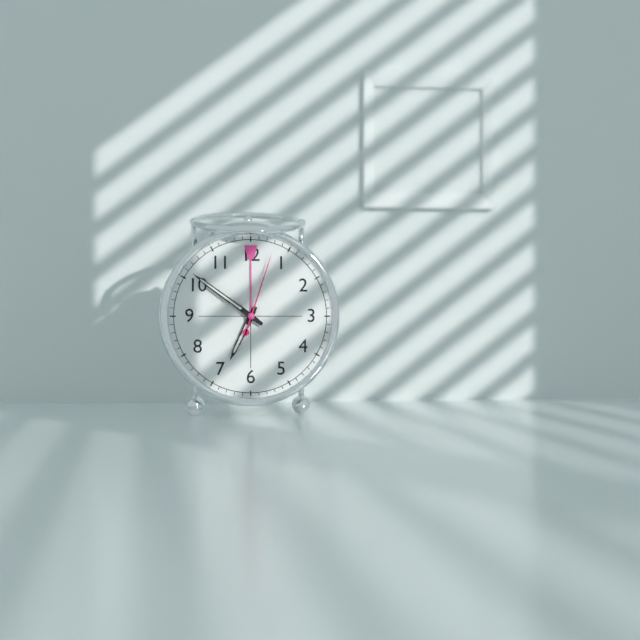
6 h 51 min 03 s
